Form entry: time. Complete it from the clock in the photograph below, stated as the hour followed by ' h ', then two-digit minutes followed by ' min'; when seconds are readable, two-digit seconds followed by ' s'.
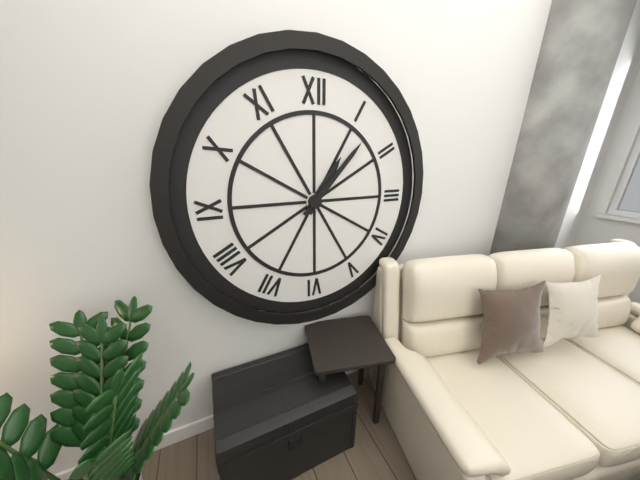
1 h 07 min
